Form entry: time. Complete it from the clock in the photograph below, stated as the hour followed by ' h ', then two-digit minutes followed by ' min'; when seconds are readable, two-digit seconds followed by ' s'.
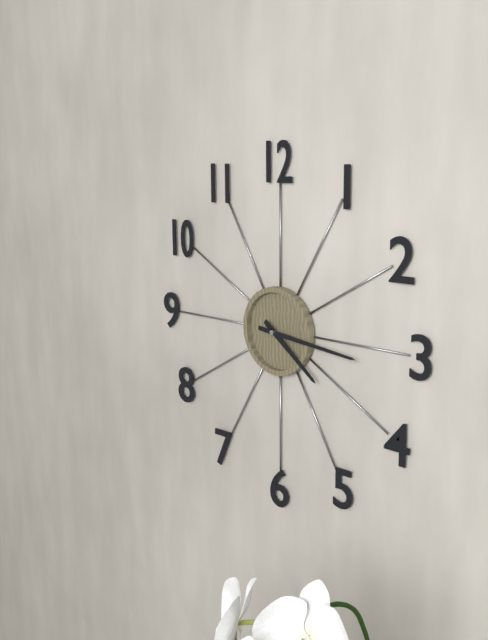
4 h 16 min
